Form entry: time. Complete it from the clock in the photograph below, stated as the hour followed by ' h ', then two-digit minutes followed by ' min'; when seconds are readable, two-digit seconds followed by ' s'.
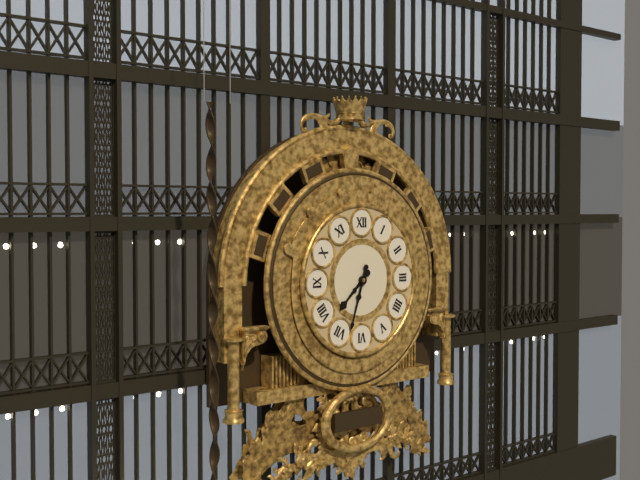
7 h 33 min
